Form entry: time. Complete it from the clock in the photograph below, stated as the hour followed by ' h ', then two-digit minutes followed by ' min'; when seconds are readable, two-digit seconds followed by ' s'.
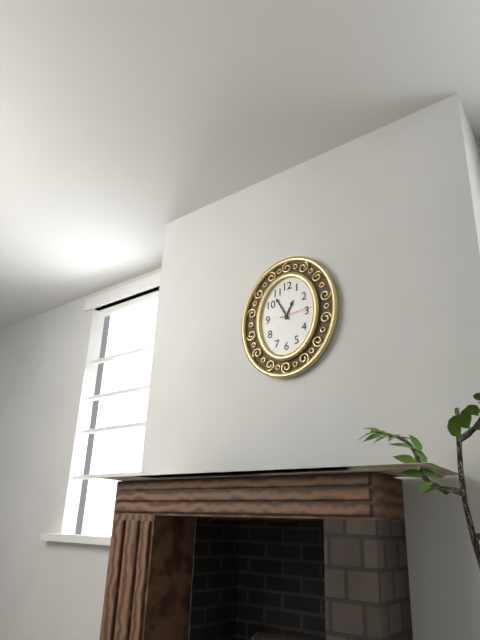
12 h 55 min
